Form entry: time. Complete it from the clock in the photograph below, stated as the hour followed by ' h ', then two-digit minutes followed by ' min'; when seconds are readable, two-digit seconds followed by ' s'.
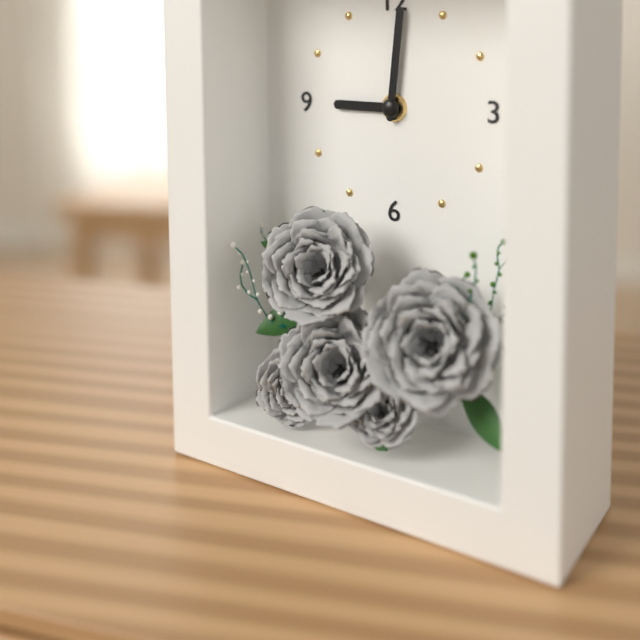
9 h 01 min
